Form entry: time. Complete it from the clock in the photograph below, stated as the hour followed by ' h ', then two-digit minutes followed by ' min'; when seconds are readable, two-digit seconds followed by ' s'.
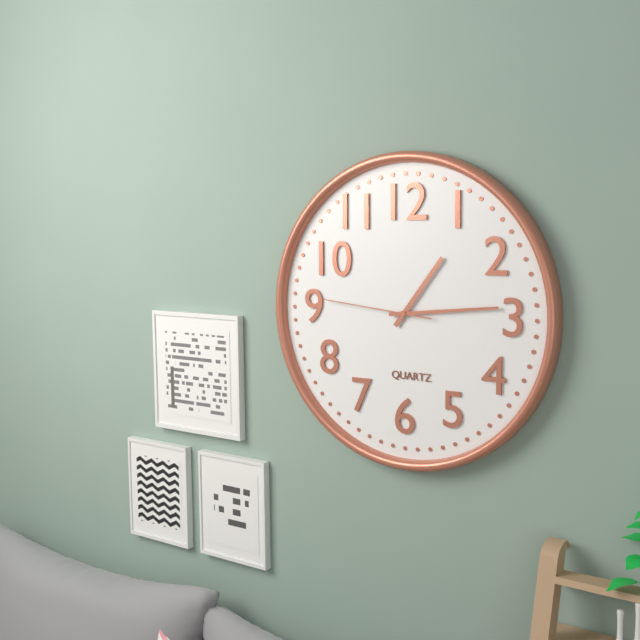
1 h 14 min 46 s
